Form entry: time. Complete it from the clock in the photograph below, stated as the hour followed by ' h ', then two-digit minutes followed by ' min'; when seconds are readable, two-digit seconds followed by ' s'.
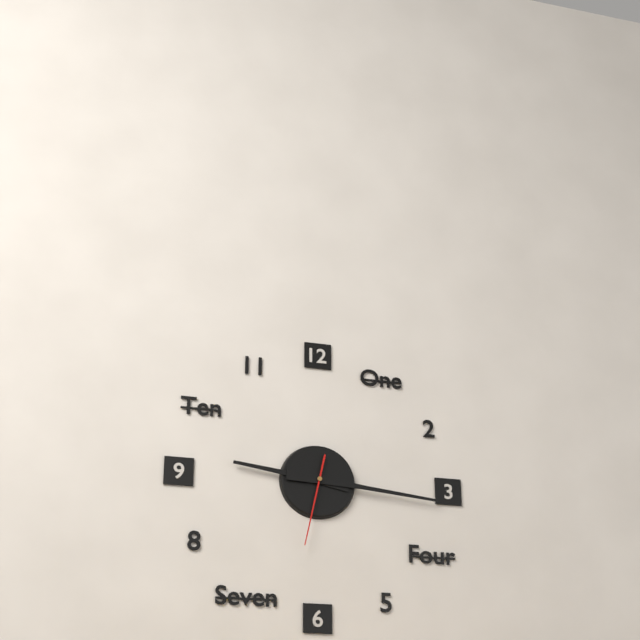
9 h 16 min 32 s
